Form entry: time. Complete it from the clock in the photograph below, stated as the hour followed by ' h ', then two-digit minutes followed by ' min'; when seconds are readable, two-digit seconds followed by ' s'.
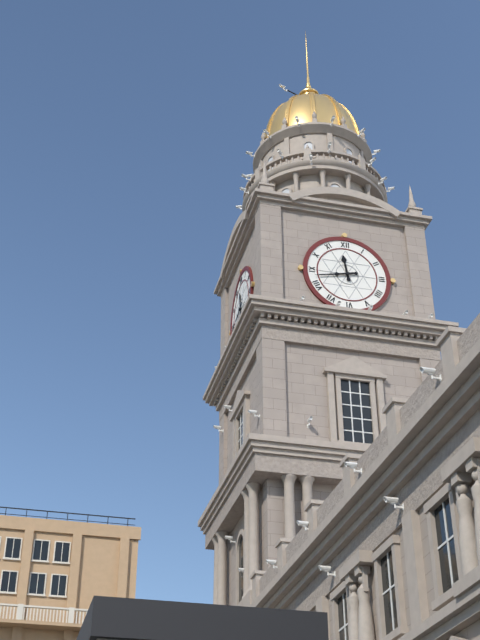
11 h 43 min
